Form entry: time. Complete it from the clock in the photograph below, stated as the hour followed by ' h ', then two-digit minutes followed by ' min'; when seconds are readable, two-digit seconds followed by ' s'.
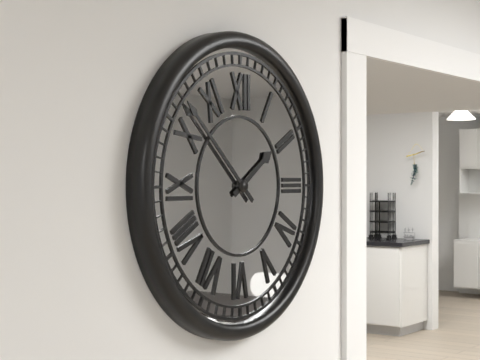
1 h 52 min
